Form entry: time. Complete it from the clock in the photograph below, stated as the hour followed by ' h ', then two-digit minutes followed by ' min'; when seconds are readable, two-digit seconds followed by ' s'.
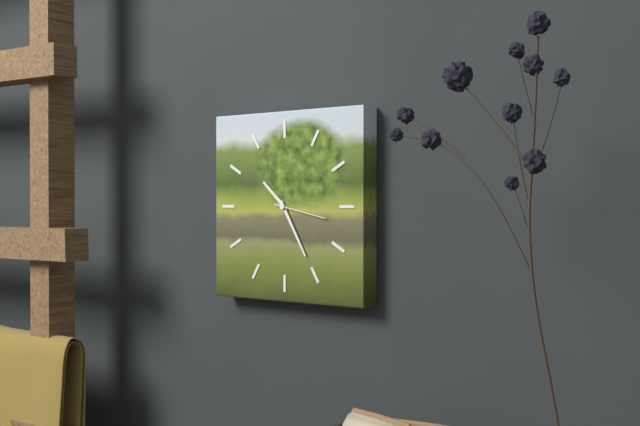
10 h 25 min 17 s
